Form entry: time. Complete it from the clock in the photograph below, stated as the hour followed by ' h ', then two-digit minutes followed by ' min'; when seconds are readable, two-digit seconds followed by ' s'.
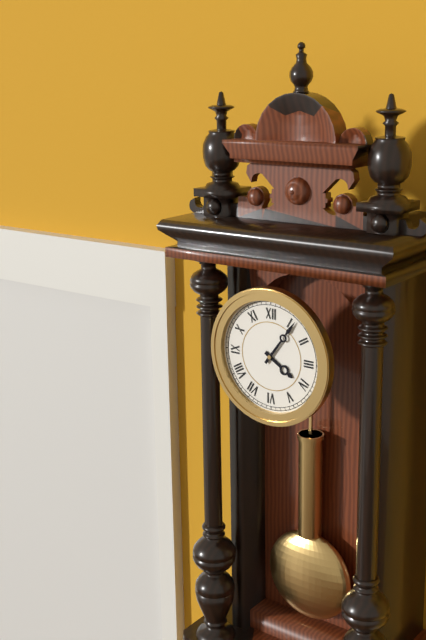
4 h 06 min
